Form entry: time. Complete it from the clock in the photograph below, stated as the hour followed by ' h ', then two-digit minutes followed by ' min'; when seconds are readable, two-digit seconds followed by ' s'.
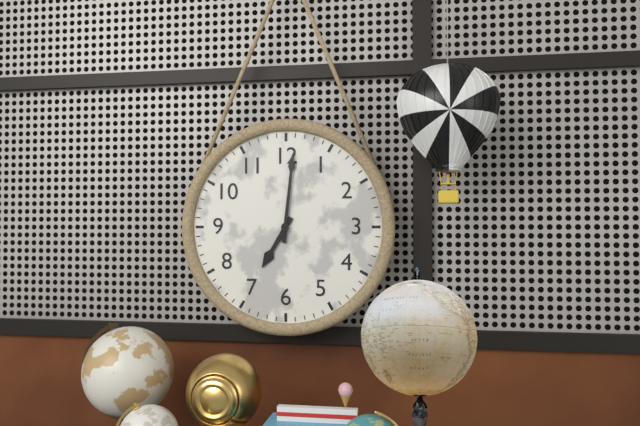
7 h 01 min
